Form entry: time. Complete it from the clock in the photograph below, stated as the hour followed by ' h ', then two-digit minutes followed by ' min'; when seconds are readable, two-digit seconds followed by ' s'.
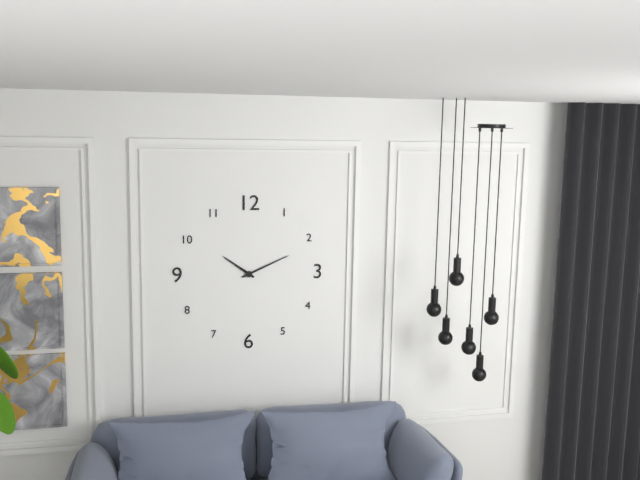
10 h 11 min
